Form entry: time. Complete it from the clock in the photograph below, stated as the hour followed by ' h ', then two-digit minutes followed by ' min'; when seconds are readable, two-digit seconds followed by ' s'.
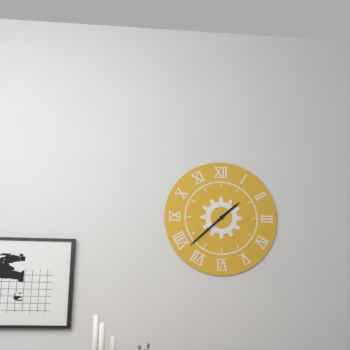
1 h 38 min
